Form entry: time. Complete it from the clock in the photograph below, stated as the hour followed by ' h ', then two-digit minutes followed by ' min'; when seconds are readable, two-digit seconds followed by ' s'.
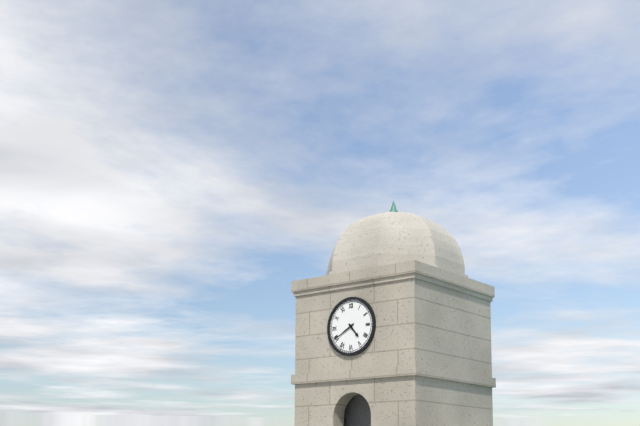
4 h 40 min
